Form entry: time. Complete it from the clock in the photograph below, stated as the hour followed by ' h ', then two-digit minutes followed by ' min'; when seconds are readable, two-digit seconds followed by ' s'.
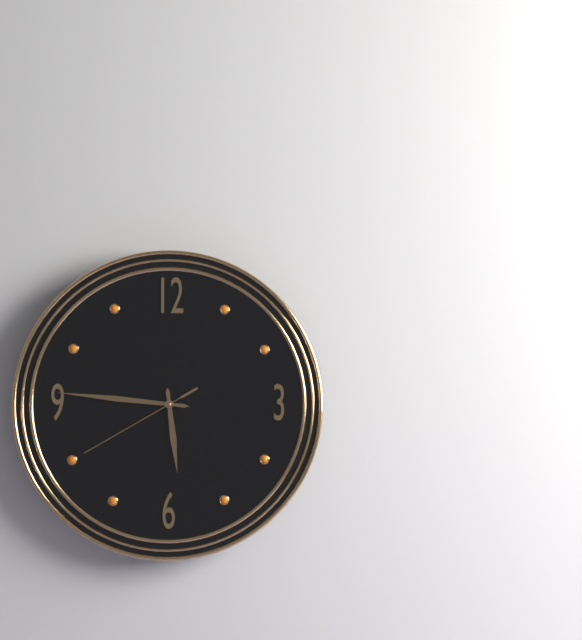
5 h 46 min 40 s
